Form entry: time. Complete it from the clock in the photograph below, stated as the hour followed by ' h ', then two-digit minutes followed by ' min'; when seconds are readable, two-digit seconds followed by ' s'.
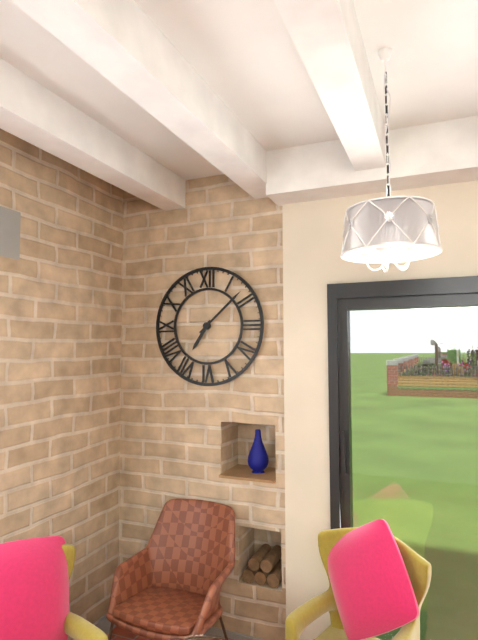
7 h 08 min
